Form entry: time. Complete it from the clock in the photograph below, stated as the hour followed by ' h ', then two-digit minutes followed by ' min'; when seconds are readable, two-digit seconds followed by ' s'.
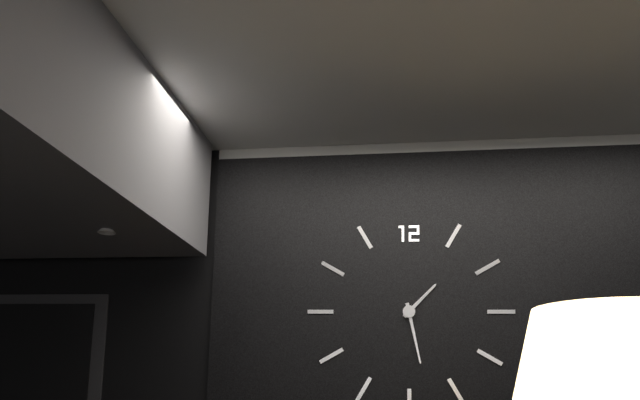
1 h 28 min
